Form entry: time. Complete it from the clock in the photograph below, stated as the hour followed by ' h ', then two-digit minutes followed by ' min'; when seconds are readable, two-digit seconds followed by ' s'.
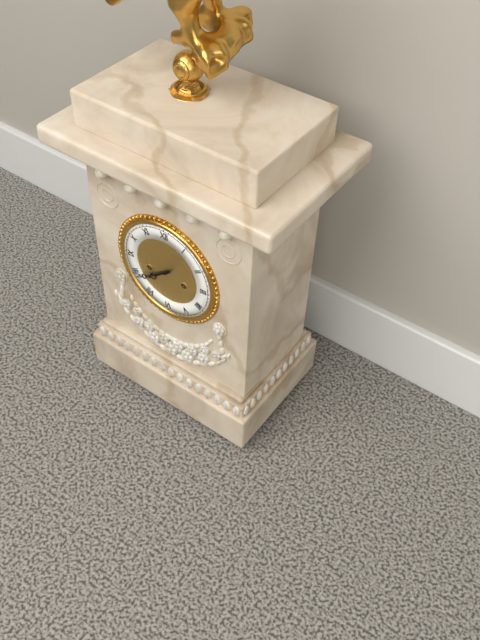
7 h 39 min
